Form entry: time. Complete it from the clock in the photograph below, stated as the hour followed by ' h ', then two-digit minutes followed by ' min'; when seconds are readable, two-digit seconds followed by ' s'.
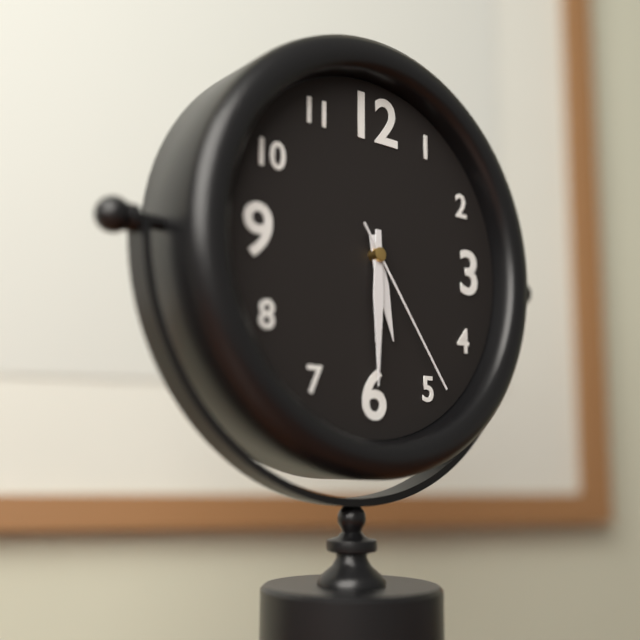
5 h 30 min 24 s
